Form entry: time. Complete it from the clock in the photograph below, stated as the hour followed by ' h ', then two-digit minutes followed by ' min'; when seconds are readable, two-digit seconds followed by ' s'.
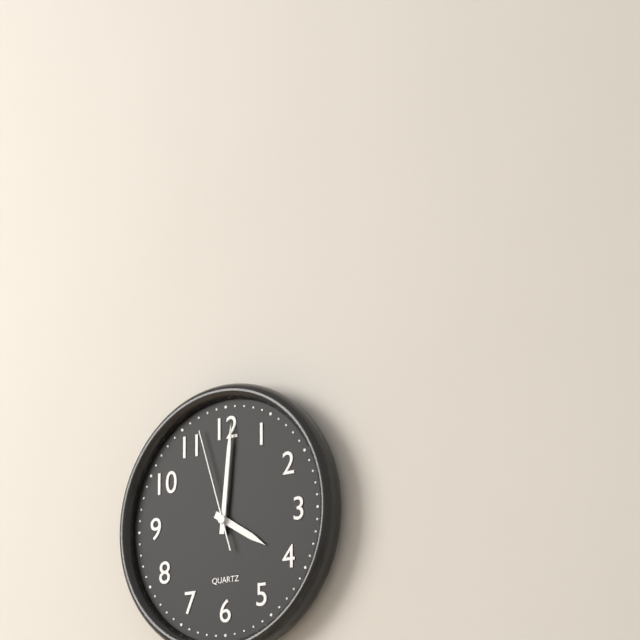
4 h 01 min 57 s
